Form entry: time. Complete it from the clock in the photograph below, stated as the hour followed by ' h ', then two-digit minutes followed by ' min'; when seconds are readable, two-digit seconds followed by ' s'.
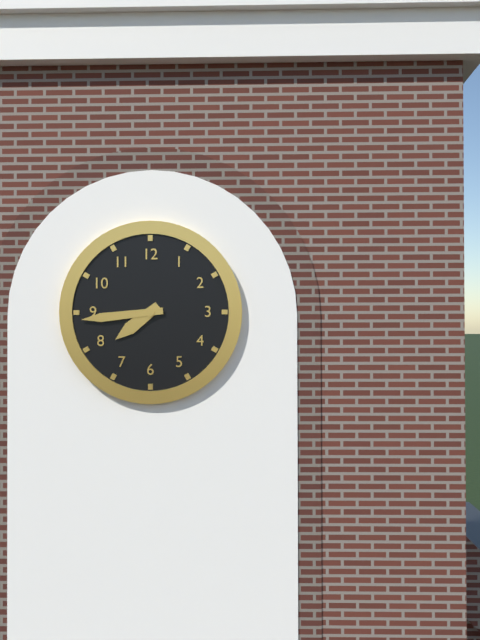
7 h 44 min
